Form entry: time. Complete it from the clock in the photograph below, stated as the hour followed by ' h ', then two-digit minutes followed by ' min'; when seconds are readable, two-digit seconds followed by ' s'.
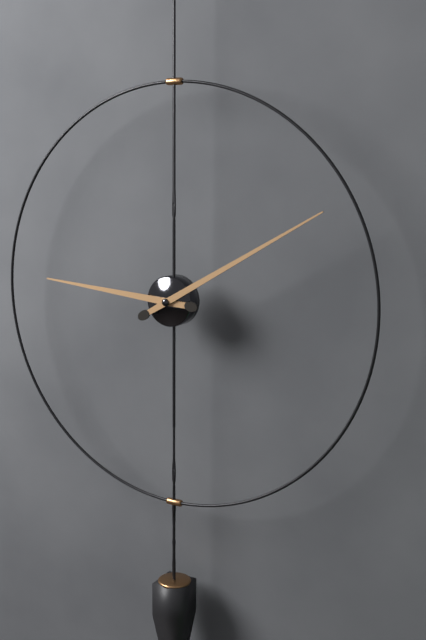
9 h 10 min
